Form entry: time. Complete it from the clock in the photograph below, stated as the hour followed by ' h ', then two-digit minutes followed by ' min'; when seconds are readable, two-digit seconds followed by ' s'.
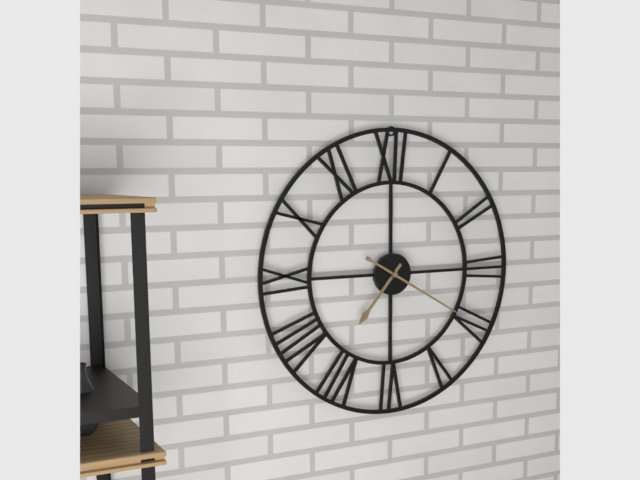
7 h 20 min
